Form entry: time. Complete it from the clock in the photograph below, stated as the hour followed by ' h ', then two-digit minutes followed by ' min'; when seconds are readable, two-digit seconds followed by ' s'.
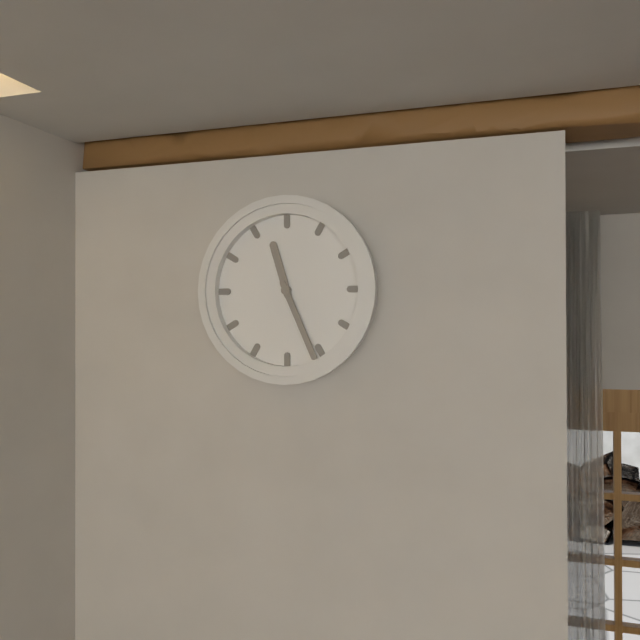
11 h 26 min
